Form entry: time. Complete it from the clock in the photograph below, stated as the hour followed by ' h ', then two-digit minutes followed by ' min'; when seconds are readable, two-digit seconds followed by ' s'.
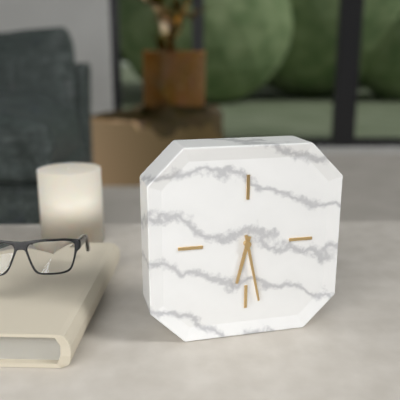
6 h 28 min
